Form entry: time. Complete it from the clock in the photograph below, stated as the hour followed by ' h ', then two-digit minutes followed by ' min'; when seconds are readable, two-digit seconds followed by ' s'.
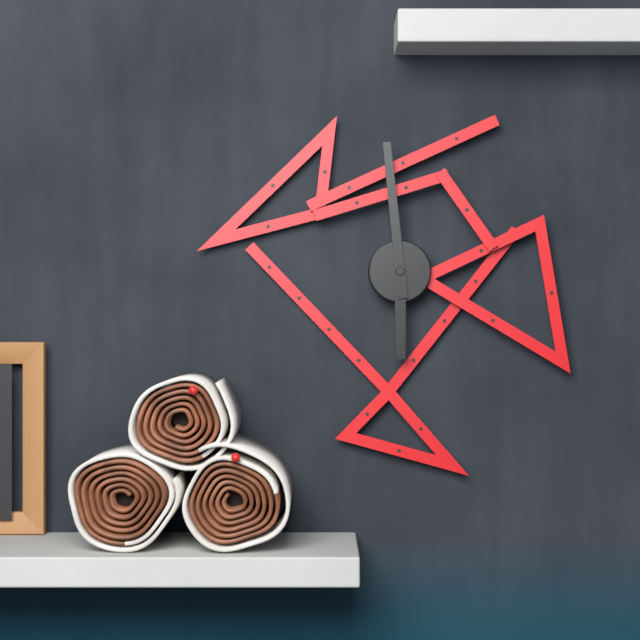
5 h 59 min
